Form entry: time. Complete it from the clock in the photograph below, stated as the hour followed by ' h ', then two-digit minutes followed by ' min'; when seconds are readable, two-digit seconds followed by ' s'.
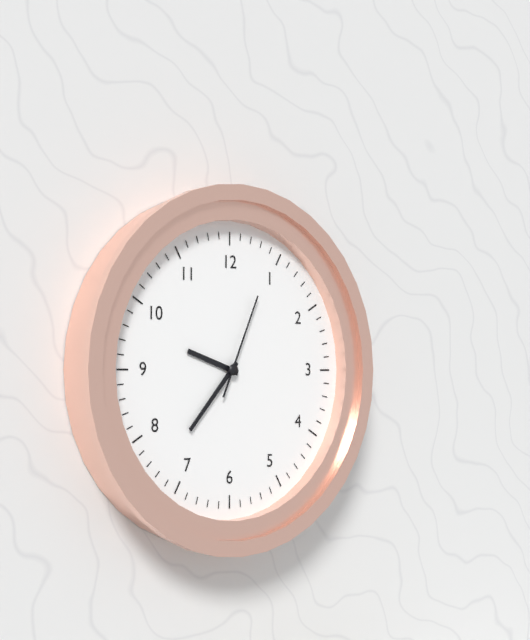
9 h 37 min 04 s
